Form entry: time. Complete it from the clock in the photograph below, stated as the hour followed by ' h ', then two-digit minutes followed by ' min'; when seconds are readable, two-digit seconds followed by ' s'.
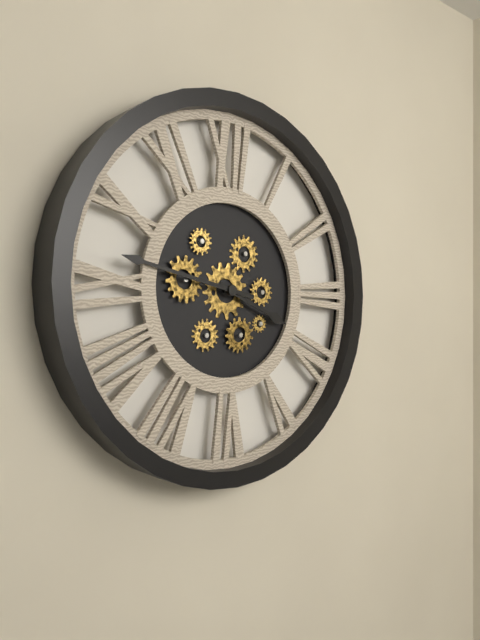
3 h 47 min
